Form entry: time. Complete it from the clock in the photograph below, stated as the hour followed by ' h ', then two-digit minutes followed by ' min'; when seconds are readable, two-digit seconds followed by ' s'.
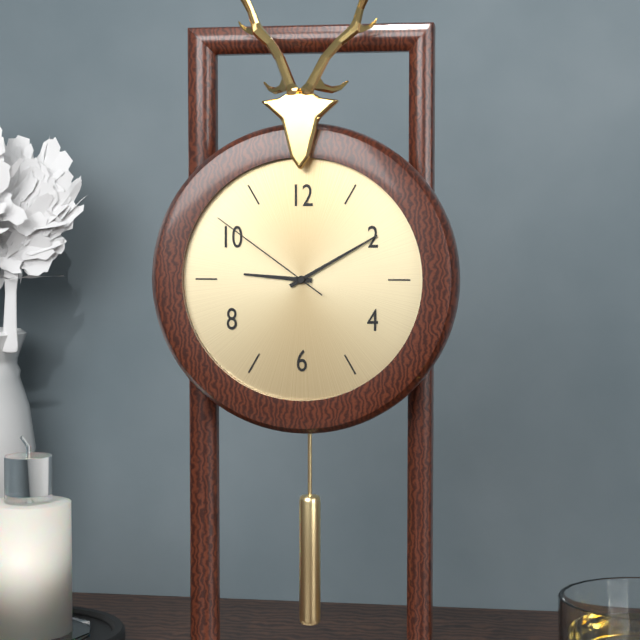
9 h 10 min 51 s
